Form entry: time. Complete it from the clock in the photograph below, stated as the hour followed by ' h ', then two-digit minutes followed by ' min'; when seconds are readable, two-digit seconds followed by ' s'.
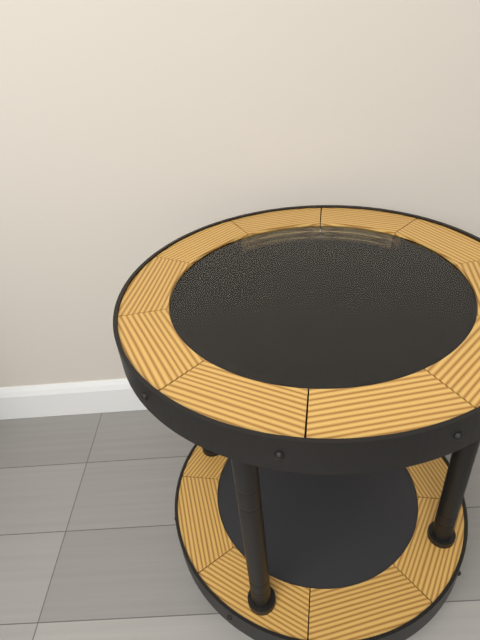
12 h 23 min
